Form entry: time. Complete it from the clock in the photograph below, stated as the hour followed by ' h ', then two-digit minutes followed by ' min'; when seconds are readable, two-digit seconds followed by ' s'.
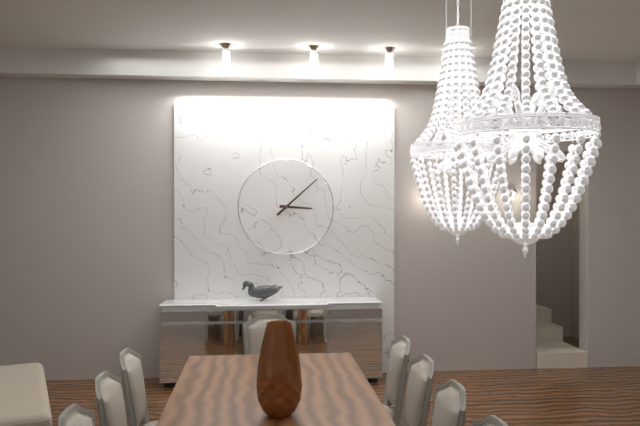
3 h 08 min
